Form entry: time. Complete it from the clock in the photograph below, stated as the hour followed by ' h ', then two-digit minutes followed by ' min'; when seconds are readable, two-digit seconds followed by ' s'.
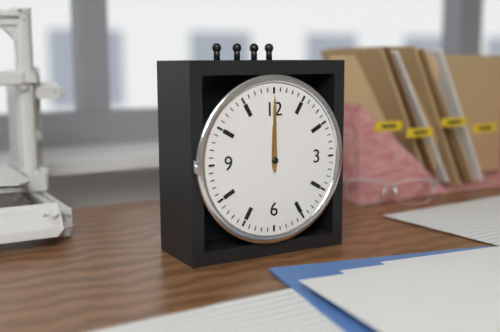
12 h 00 min
